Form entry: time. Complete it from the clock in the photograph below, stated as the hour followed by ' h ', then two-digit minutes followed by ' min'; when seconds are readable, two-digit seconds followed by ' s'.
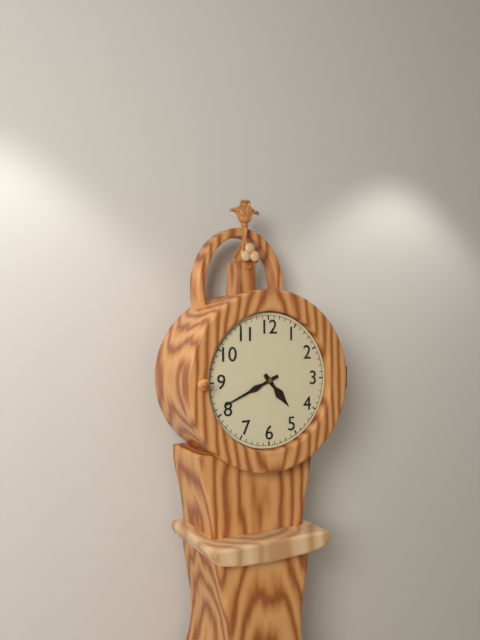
4 h 41 min
